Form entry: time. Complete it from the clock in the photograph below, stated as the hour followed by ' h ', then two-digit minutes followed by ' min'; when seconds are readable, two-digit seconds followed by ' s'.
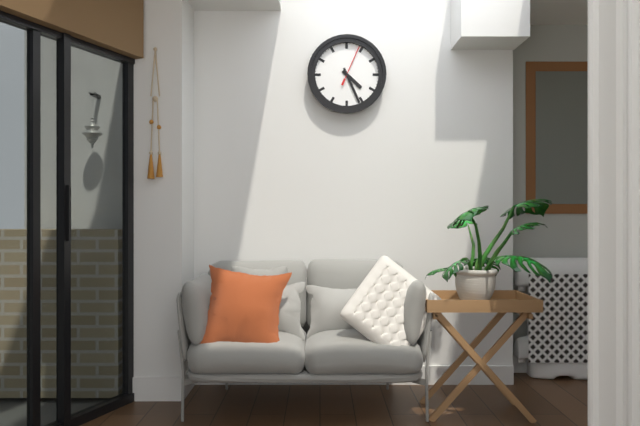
4 h 26 min
